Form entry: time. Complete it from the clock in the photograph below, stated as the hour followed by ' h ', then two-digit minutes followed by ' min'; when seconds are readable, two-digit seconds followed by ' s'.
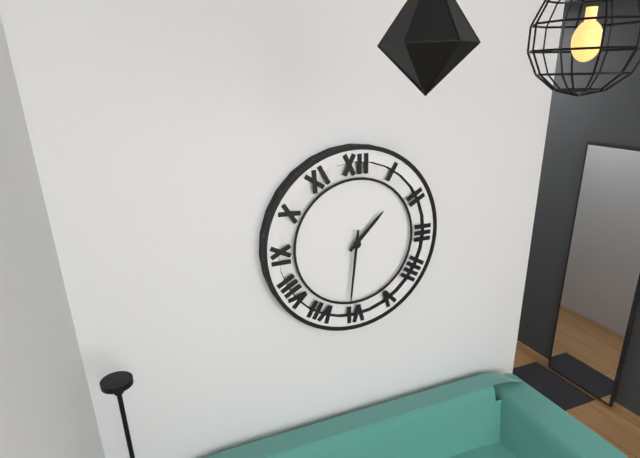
1 h 31 min
